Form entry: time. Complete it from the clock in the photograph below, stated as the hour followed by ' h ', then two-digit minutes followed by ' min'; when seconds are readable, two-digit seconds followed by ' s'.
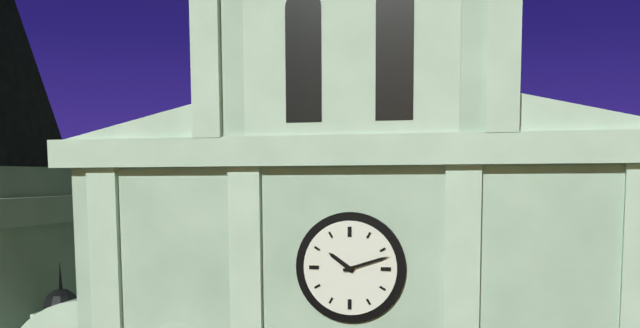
10 h 12 min
